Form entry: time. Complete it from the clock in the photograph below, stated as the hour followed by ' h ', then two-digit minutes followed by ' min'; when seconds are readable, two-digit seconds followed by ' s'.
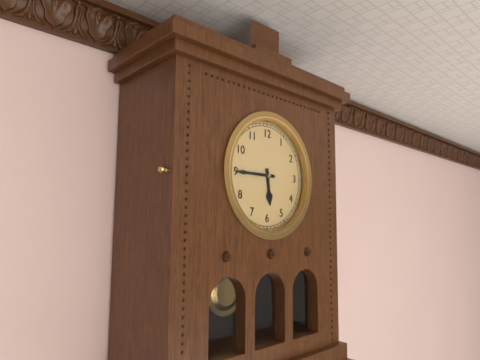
5 h 45 min
